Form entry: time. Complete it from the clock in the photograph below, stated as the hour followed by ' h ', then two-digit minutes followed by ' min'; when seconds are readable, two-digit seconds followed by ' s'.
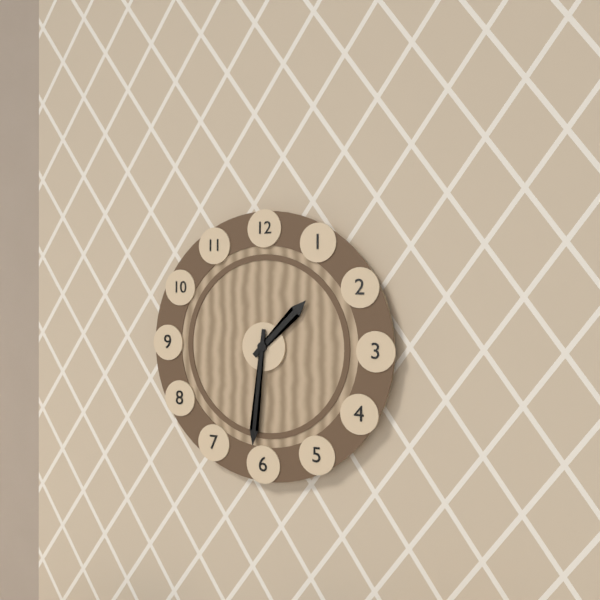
1 h 31 min
